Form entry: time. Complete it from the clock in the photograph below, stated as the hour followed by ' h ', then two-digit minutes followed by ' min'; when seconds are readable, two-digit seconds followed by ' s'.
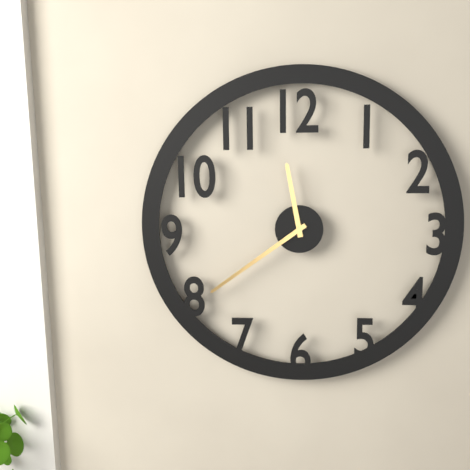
11 h 39 min
